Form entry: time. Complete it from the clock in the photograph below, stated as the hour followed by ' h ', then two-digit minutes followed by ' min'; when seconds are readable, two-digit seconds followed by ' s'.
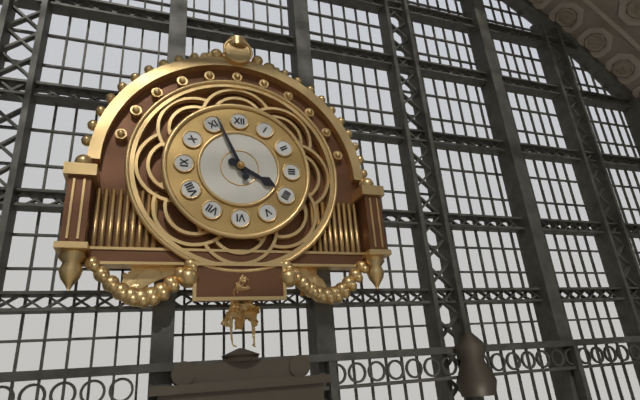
3 h 56 min
